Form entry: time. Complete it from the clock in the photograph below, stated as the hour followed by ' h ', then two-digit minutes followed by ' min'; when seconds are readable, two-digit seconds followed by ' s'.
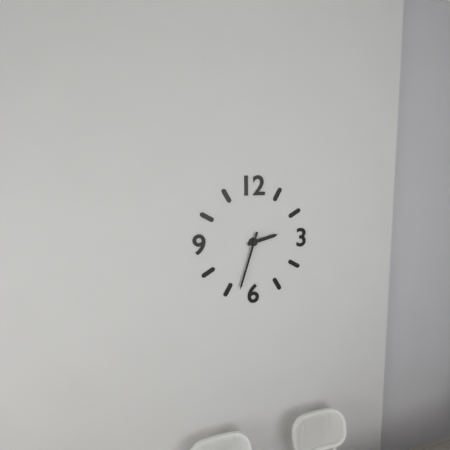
2 h 33 min
